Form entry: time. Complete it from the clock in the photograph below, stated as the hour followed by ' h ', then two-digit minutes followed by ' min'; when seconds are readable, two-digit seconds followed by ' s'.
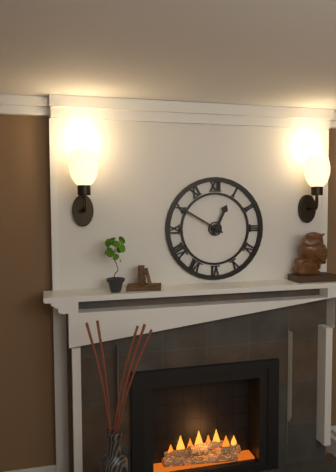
12 h 50 min
